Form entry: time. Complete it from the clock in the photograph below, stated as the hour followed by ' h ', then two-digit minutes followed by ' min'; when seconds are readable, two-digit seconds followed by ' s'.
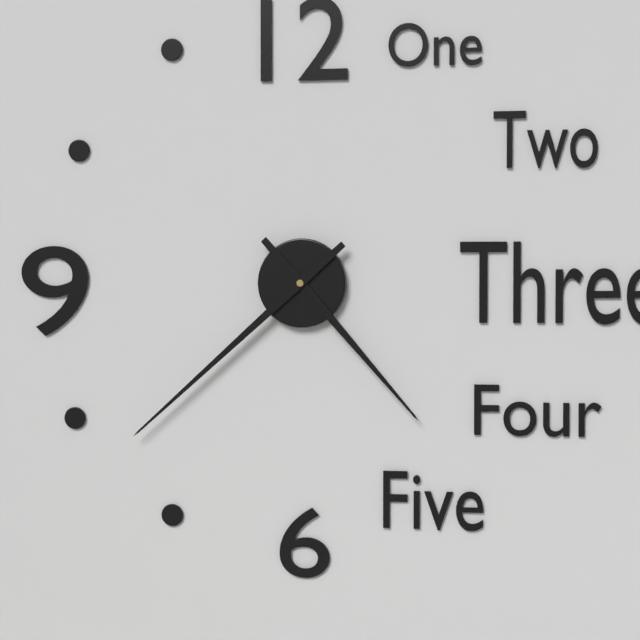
4 h 38 min
